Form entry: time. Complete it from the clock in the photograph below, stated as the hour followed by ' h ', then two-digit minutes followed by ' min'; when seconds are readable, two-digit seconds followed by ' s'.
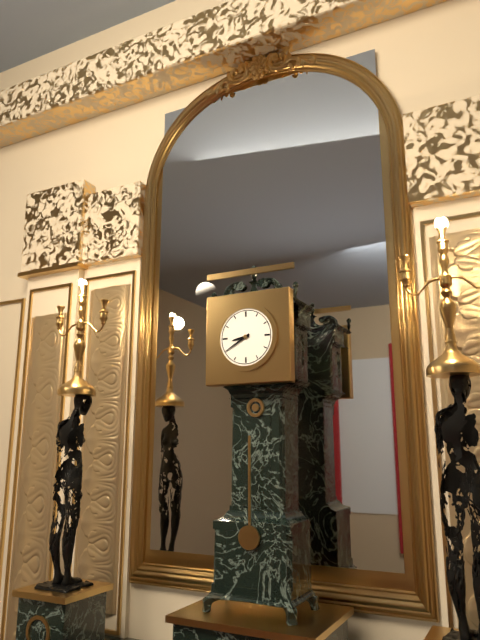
8 h 40 min
